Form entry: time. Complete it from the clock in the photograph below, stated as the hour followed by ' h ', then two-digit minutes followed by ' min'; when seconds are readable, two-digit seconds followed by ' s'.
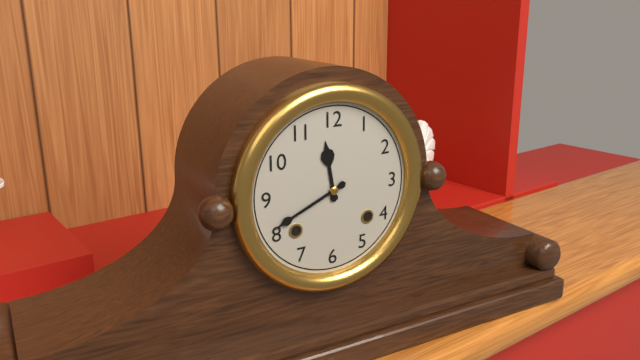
11 h 41 min
